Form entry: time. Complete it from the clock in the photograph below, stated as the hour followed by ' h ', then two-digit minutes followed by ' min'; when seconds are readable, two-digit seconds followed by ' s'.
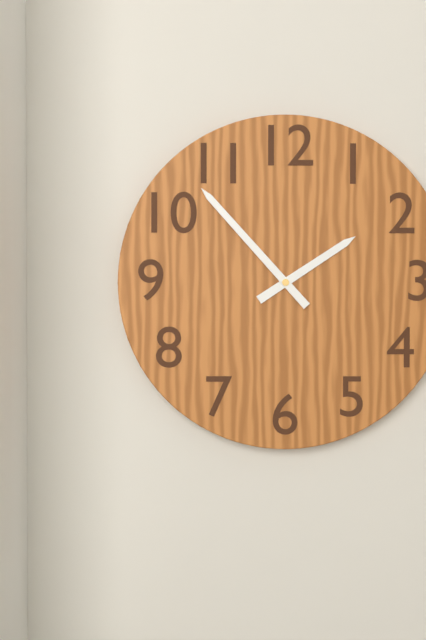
1 h 53 min
